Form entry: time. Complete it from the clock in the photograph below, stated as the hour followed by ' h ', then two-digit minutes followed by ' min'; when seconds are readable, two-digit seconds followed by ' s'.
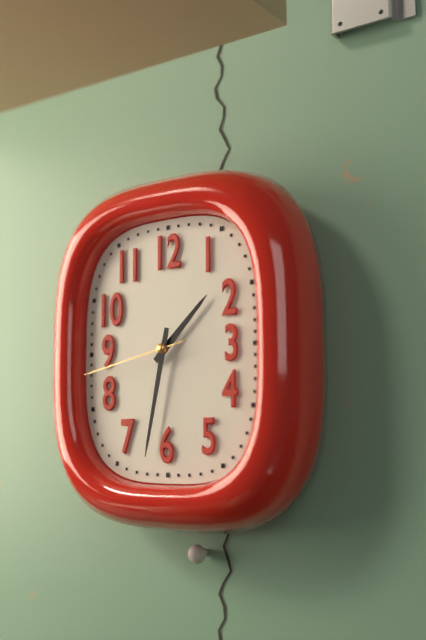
1 h 32 min 43 s
